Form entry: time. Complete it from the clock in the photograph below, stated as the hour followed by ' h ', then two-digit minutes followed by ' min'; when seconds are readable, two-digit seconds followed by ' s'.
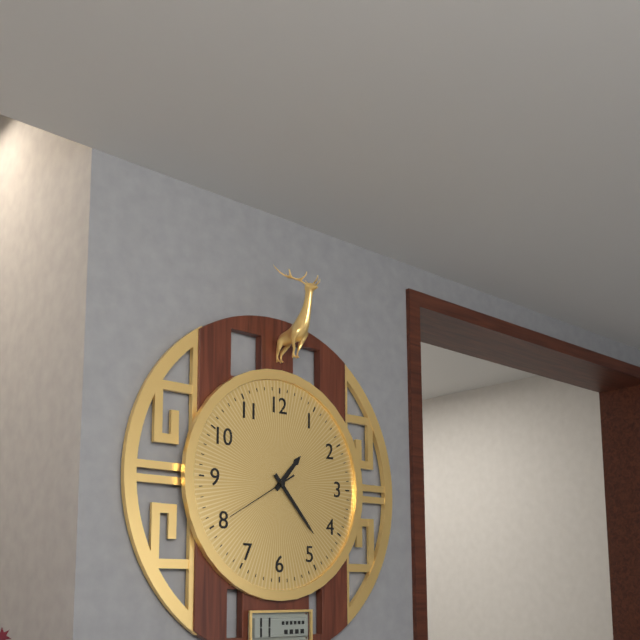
1 h 23 min 40 s
